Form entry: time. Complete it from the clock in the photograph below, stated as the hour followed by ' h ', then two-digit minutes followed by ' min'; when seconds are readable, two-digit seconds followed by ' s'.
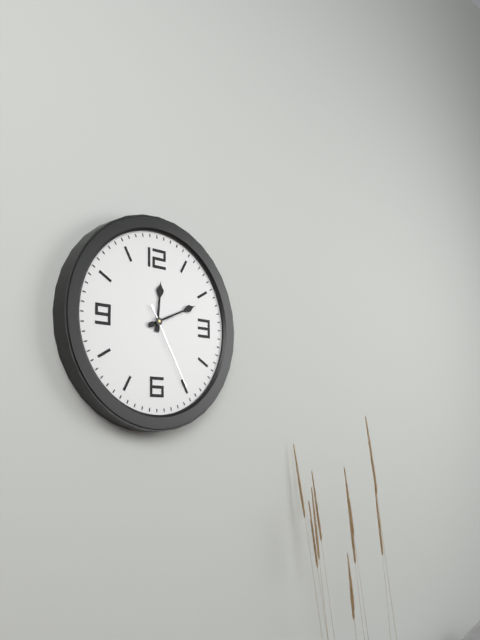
12 h 11 min 25 s
